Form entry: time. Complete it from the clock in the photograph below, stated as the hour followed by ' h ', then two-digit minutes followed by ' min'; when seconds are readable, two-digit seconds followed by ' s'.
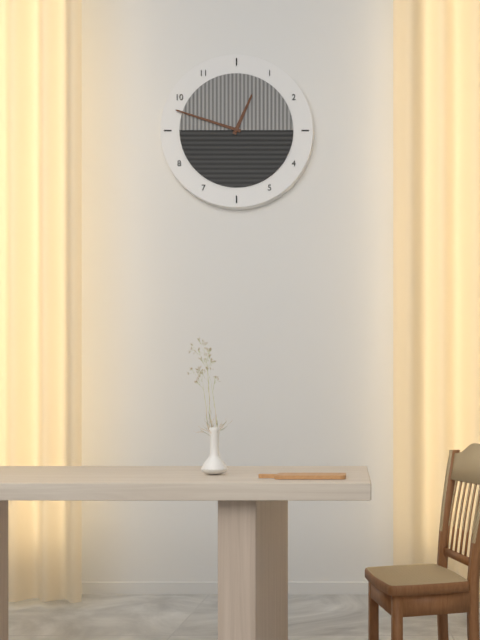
12 h 48 min
